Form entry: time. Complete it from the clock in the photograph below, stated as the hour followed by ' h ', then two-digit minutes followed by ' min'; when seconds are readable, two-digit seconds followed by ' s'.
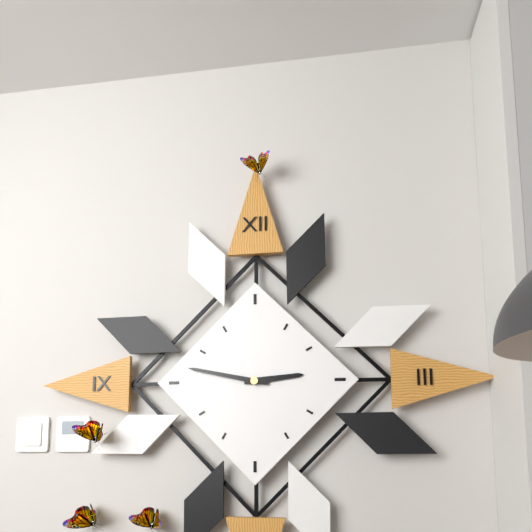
2 h 47 min
